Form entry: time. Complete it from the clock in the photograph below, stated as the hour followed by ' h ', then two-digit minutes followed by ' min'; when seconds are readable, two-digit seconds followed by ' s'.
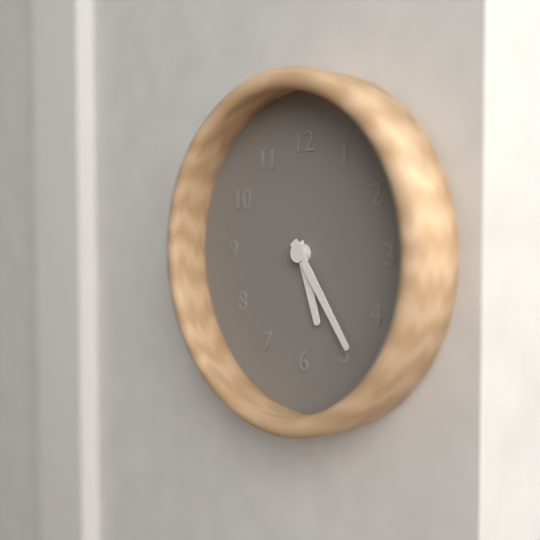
5 h 24 min
